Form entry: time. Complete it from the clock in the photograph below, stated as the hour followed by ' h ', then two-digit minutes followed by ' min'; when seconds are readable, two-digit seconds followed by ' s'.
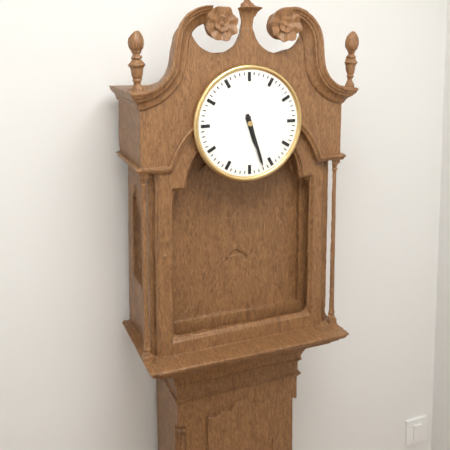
5 h 27 min
